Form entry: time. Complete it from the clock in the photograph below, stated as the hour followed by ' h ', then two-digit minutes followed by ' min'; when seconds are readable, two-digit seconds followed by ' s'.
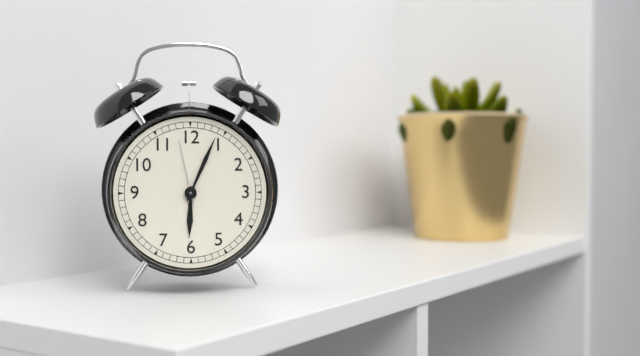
6 h 04 min 58 s
